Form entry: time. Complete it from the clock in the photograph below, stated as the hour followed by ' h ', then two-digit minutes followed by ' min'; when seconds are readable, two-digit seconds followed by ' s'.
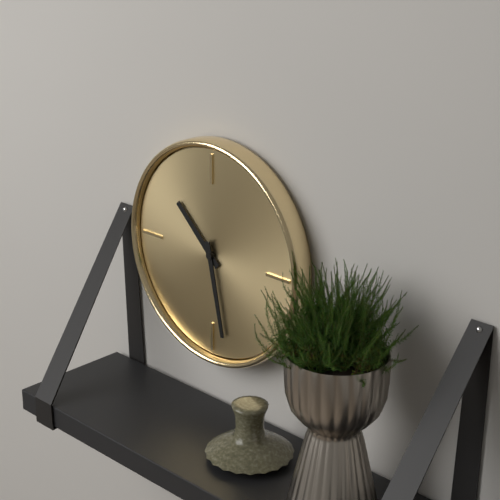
10 h 28 min
